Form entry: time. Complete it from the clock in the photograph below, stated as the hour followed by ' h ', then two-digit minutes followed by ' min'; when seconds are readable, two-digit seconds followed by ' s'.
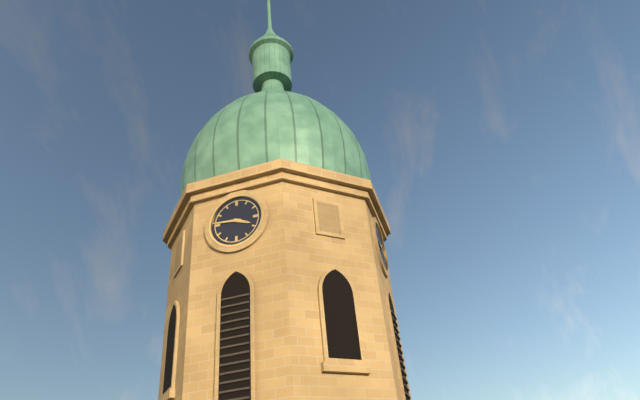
3 h 46 min
